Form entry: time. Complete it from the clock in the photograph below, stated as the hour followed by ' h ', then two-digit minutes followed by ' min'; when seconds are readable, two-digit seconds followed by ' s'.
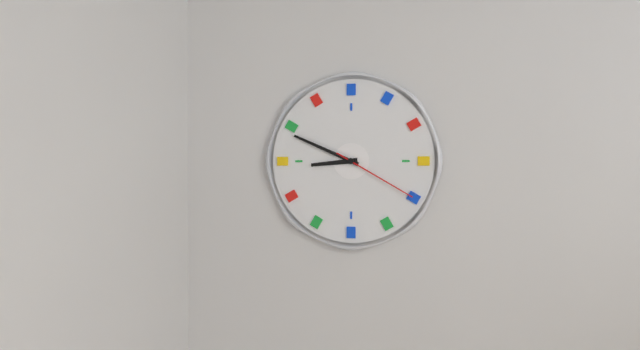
8 h 49 min 20 s
